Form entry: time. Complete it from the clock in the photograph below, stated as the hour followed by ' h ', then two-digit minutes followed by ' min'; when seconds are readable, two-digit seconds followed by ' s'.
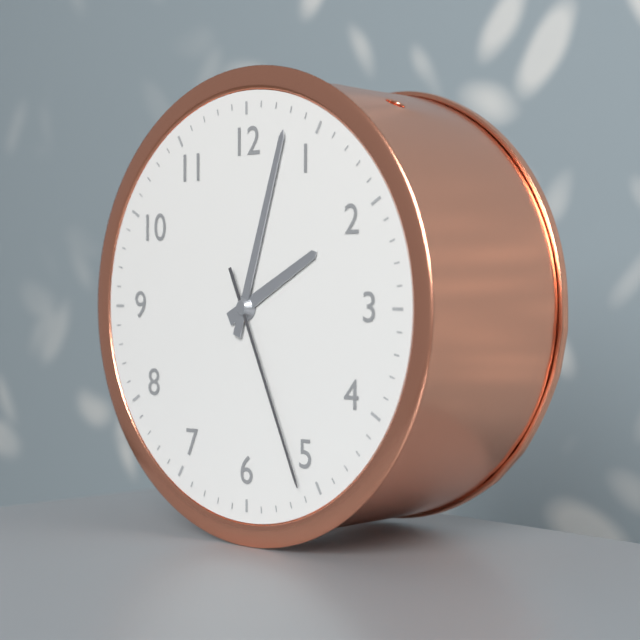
2 h 03 min 26 s
